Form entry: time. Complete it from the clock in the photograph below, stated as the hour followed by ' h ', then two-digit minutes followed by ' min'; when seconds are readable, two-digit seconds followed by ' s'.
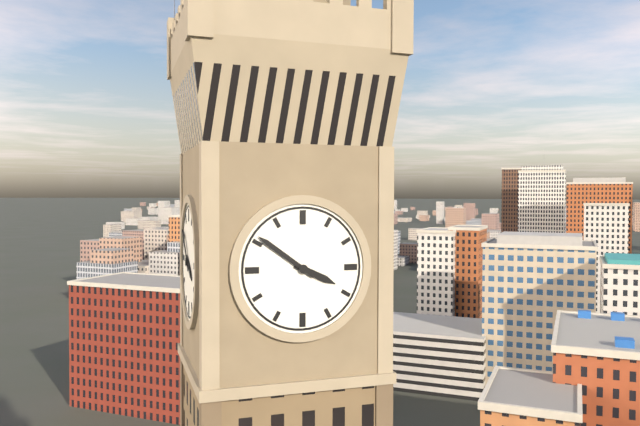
3 h 51 min
